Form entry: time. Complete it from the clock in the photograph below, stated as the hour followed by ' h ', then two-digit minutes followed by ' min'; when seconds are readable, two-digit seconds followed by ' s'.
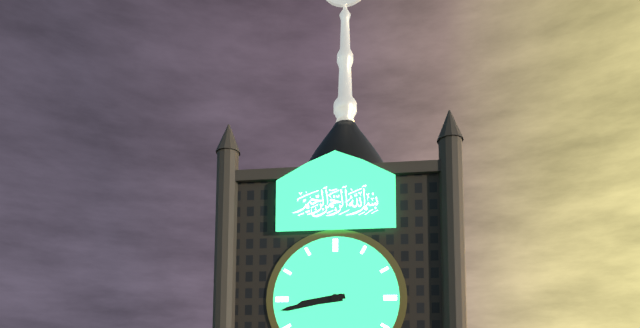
8 h 43 min
